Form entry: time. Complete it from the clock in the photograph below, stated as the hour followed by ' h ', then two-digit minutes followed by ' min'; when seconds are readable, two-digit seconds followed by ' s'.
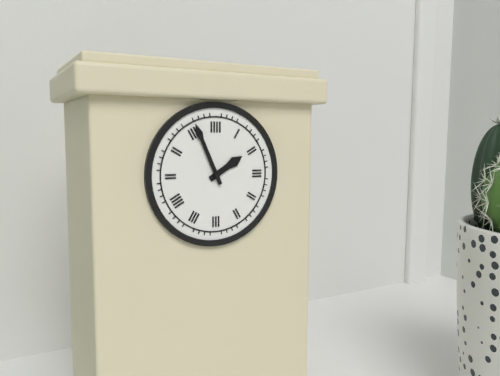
1 h 56 min
